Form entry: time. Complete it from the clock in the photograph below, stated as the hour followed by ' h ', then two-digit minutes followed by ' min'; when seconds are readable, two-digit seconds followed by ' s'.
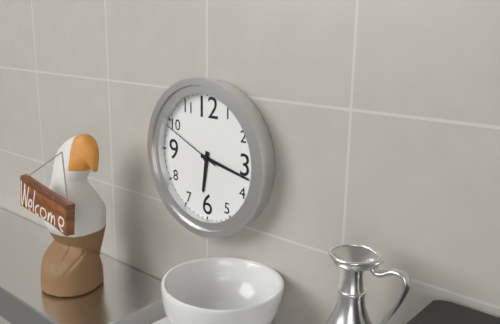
6 h 17 min 49 s
